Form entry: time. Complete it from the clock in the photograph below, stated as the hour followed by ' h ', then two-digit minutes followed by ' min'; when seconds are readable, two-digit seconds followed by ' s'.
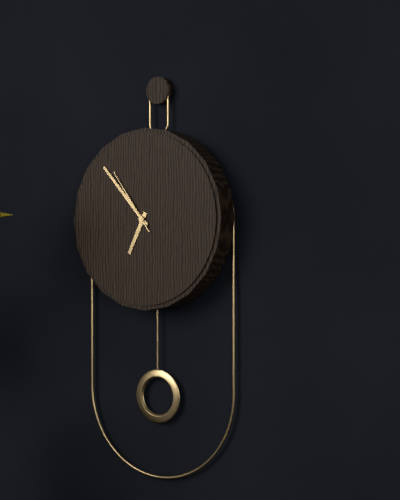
6 h 53 min 54 s
